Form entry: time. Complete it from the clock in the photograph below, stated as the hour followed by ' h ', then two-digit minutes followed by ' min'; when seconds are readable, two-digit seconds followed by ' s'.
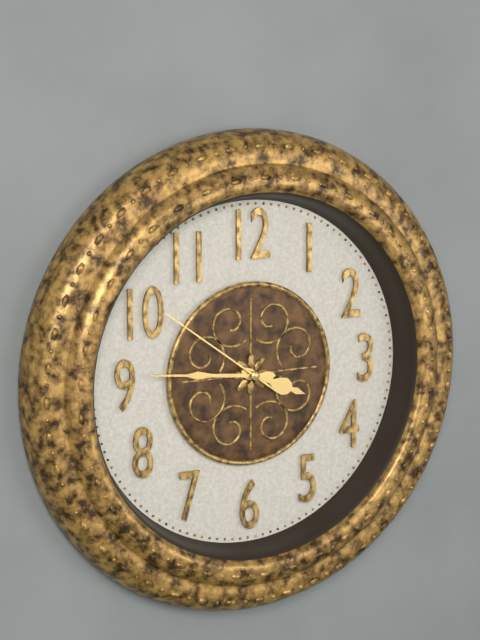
3 h 46 min 51 s
